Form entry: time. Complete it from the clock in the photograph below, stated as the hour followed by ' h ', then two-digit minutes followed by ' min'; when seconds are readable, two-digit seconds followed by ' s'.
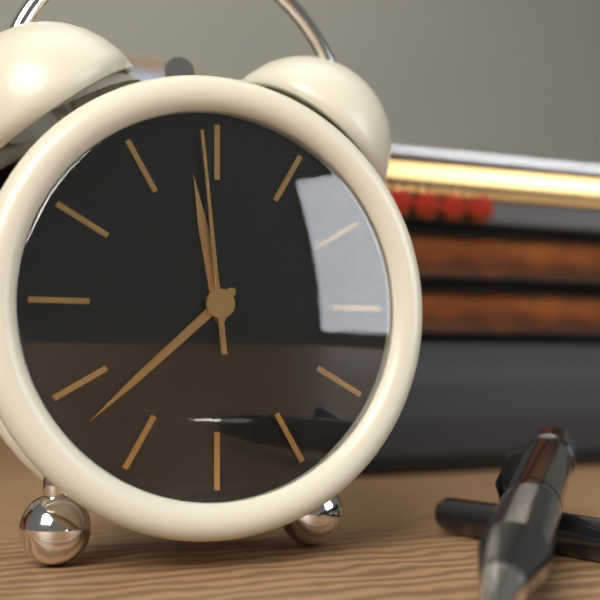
11 h 38 min 59 s
